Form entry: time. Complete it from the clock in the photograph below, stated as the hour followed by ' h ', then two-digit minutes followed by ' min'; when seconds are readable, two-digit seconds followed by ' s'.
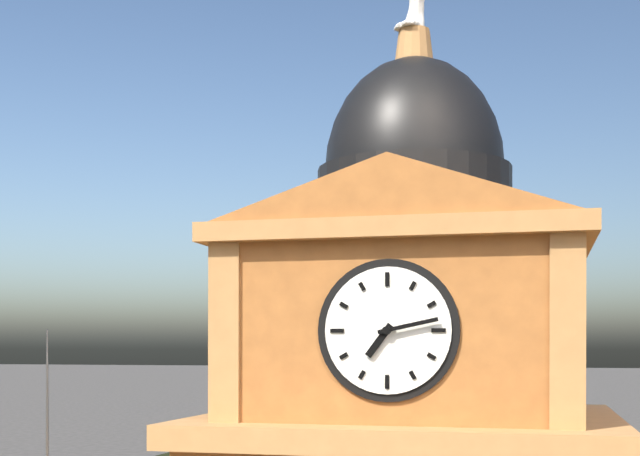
7 h 13 min
